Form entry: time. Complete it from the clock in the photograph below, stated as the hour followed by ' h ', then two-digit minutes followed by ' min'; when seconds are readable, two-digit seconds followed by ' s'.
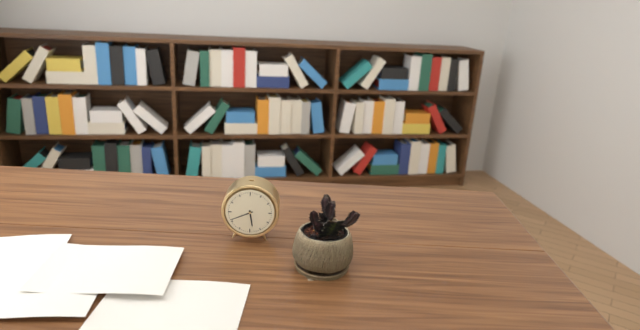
5 h 41 min
